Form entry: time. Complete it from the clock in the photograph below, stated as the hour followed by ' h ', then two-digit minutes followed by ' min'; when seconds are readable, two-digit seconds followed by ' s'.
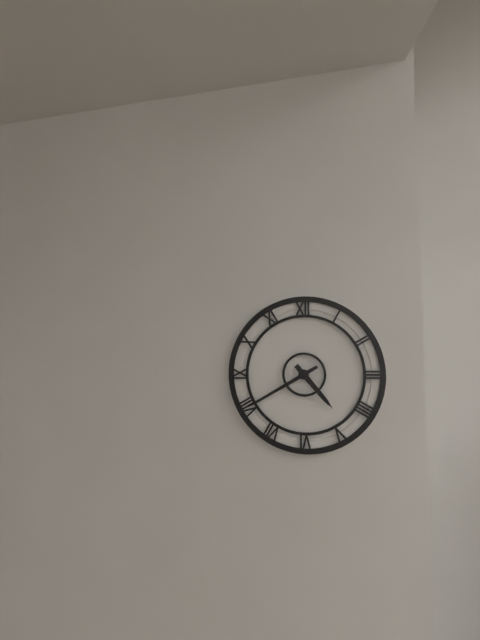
4 h 40 min
